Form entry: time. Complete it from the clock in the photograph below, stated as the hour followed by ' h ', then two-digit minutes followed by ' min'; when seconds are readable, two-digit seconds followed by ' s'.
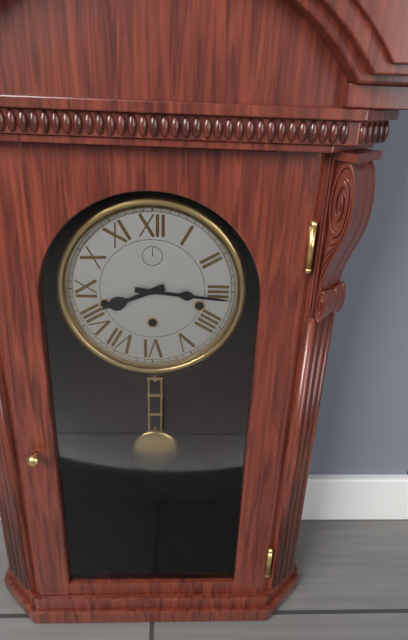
8 h 16 min
